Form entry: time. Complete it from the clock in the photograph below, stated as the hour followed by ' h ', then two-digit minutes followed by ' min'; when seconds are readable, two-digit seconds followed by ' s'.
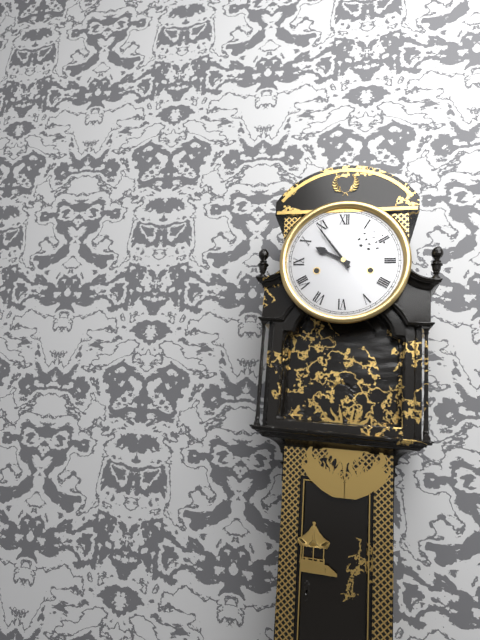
9 h 54 min
